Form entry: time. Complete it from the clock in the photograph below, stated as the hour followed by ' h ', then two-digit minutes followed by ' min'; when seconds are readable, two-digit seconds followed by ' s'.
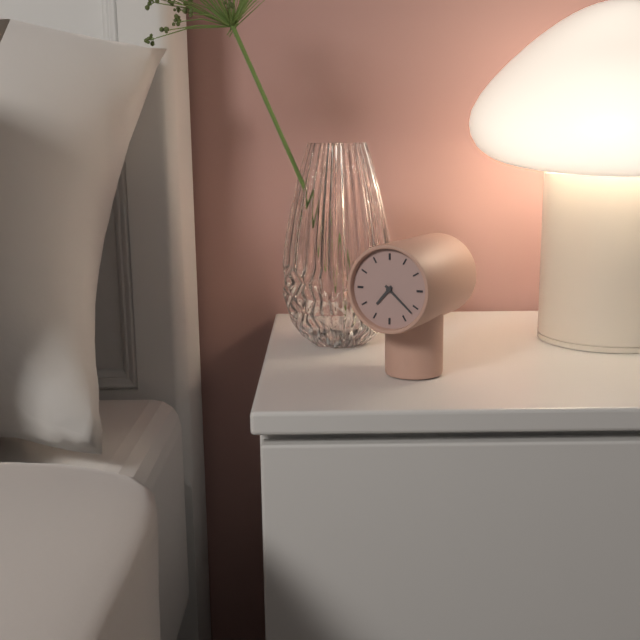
7 h 22 min
